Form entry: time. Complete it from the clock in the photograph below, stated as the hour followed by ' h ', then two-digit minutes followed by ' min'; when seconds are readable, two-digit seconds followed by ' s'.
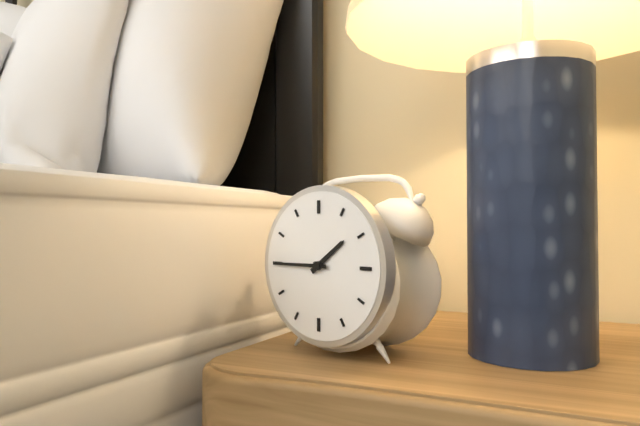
1 h 45 min
